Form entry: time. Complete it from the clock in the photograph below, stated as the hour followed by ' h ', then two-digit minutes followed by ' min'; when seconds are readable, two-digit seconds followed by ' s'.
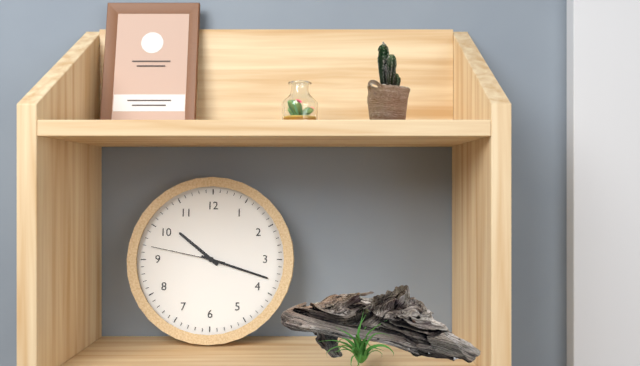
10 h 18 min 47 s
